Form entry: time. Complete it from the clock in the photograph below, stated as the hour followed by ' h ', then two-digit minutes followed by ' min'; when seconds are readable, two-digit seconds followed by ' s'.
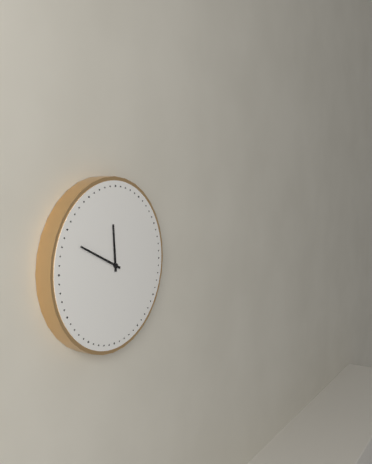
11 h 49 min
